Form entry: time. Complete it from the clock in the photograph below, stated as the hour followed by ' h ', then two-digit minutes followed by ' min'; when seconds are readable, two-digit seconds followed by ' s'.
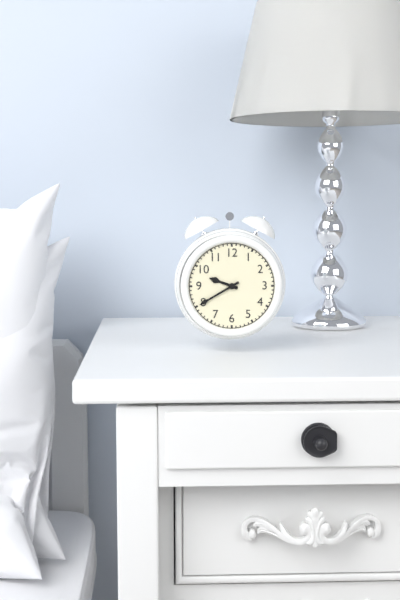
9 h 40 min
